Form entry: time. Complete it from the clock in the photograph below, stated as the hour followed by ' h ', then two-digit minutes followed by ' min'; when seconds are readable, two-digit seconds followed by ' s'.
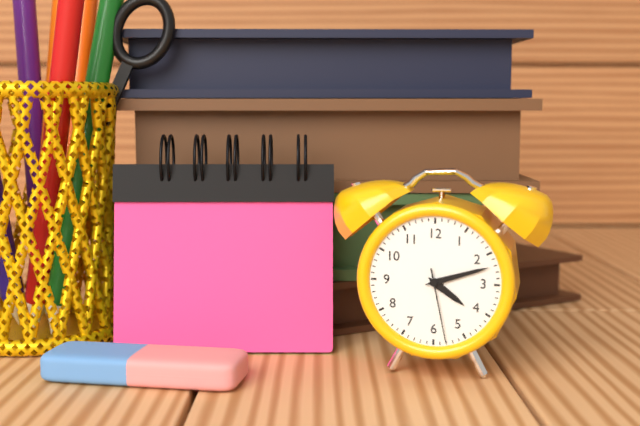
4 h 12 min 28 s
